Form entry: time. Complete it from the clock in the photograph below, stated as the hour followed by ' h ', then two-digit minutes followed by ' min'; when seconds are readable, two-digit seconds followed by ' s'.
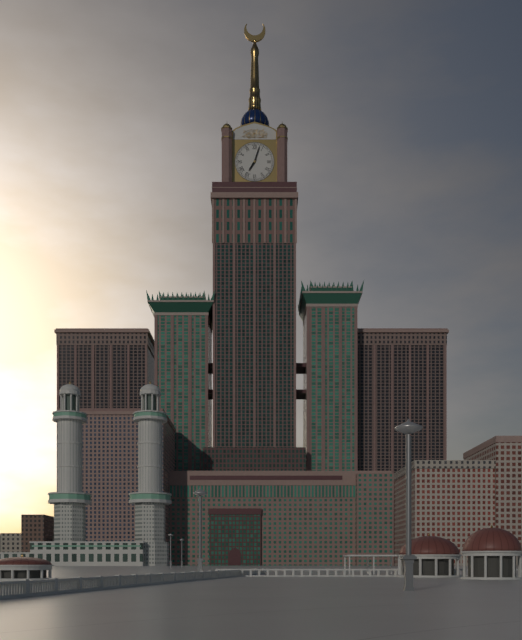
7 h 03 min
